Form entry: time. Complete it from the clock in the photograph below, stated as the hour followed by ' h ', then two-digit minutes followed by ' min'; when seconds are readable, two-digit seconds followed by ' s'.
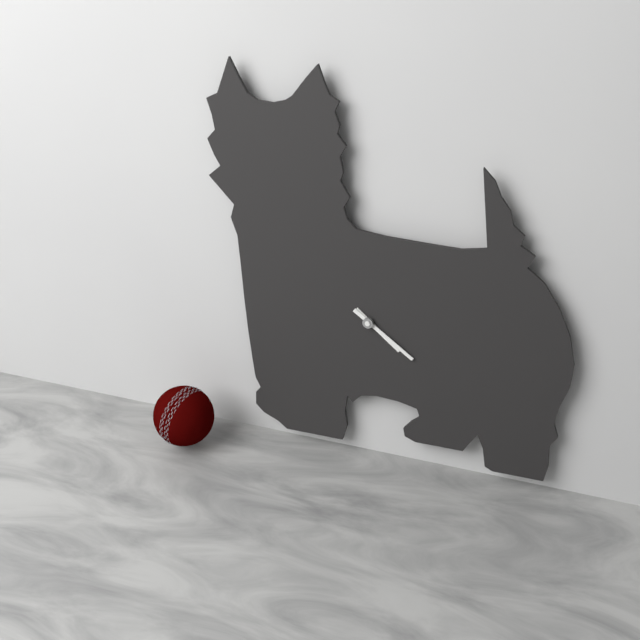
4 h 21 min
